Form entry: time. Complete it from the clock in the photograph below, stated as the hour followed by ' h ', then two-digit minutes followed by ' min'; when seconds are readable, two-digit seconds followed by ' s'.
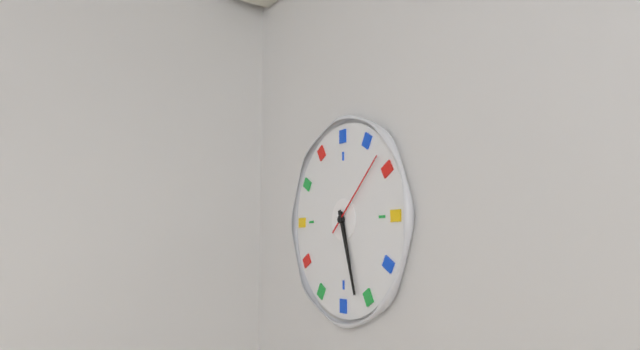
5 h 27 min 08 s
